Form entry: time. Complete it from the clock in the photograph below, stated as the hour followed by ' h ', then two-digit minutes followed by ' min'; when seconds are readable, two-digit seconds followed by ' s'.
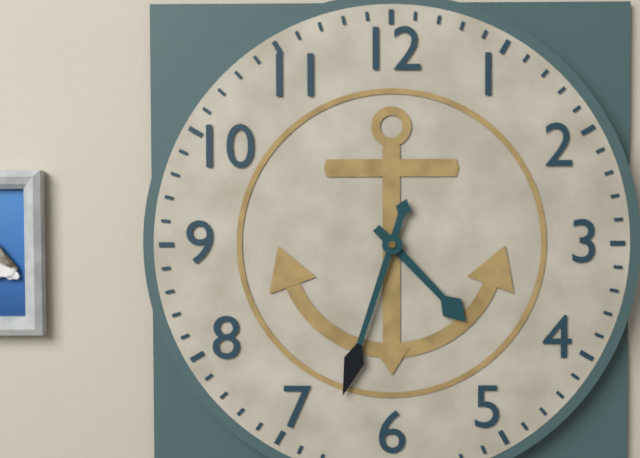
4 h 33 min
